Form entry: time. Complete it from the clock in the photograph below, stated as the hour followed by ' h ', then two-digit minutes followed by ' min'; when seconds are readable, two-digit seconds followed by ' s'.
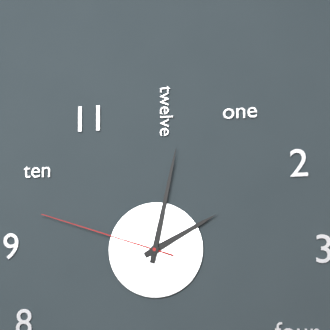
2 h 02 min 48 s
